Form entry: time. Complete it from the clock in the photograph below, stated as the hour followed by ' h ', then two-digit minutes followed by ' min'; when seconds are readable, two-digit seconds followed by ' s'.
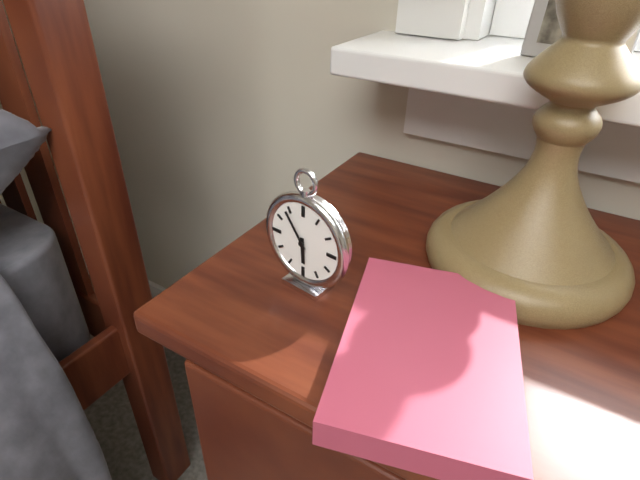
5 h 54 min
